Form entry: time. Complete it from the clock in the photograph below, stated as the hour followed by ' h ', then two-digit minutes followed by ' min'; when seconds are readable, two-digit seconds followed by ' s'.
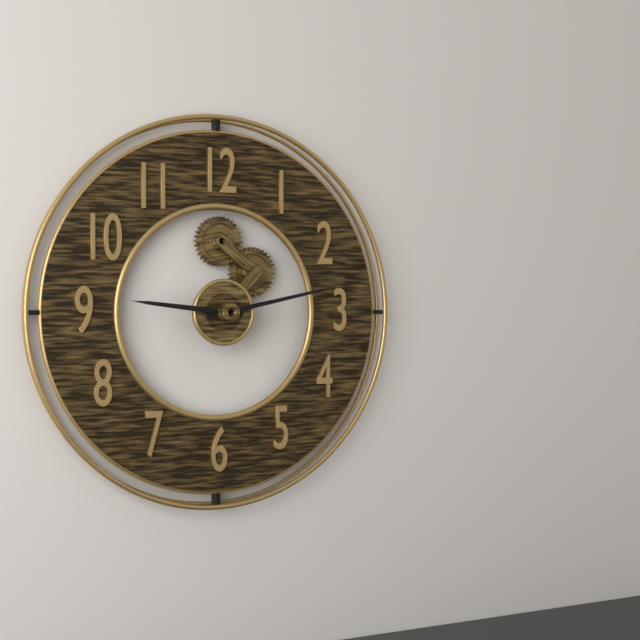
9 h 13 min
